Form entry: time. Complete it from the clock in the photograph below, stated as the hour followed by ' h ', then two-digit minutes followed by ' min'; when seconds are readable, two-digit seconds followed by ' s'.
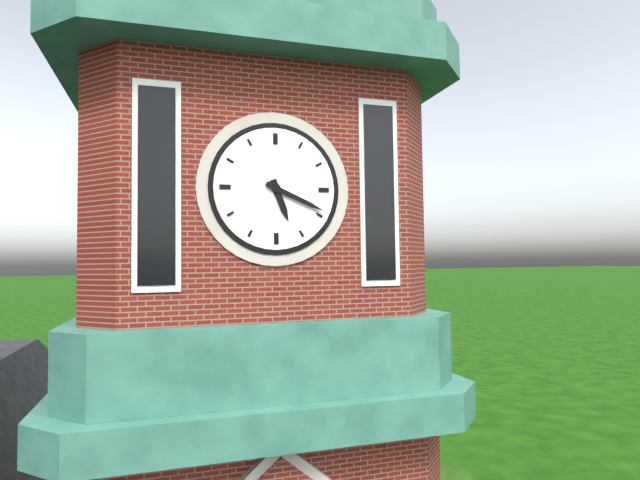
5 h 19 min
